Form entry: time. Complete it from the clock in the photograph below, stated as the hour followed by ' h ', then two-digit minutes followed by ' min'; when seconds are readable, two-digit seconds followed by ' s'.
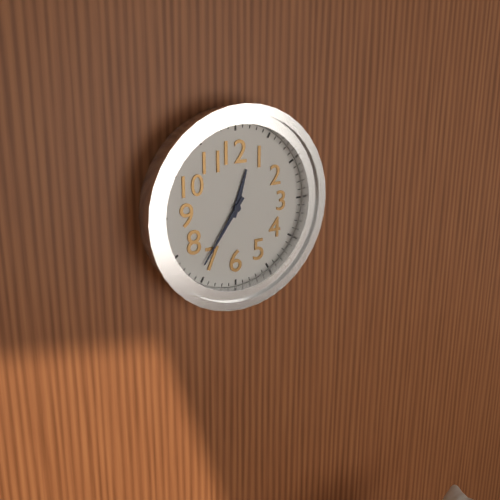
12 h 36 min
